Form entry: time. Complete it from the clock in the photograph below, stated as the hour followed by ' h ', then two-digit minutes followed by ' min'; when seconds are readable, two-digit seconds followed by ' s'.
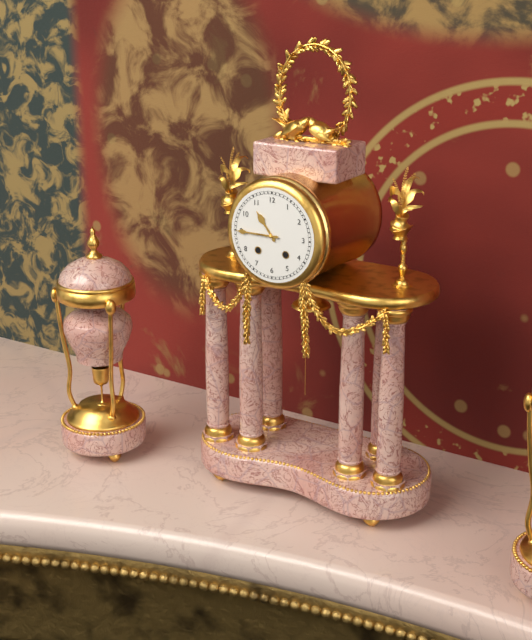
10 h 45 min
